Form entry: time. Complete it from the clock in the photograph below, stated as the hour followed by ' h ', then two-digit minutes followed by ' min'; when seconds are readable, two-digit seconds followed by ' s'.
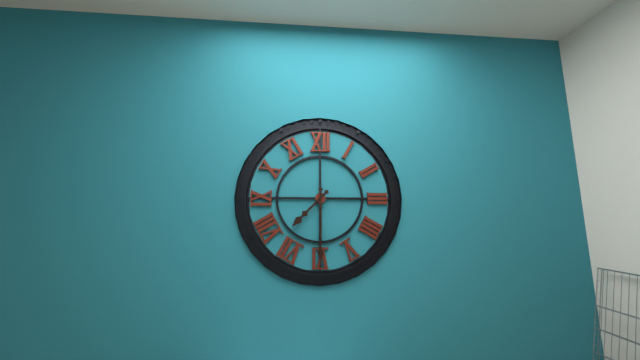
7 h 30 min
